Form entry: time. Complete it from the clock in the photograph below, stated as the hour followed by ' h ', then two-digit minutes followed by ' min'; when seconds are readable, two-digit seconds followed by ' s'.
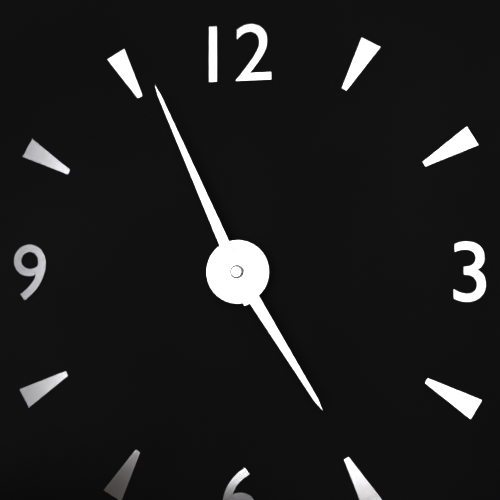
4 h 56 min
